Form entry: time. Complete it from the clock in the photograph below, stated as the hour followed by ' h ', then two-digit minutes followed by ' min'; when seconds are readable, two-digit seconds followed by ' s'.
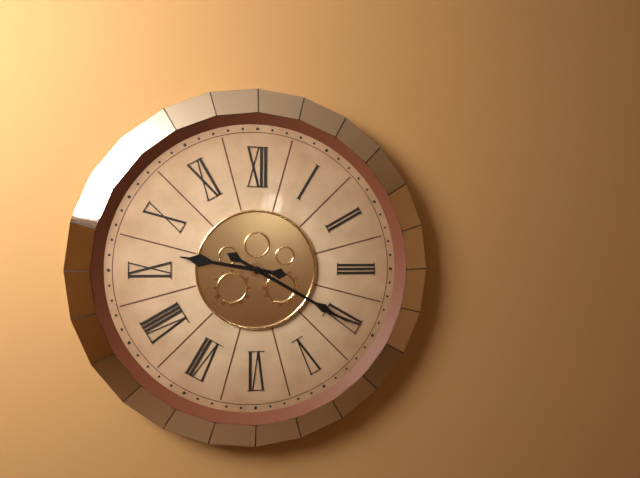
9 h 20 min
